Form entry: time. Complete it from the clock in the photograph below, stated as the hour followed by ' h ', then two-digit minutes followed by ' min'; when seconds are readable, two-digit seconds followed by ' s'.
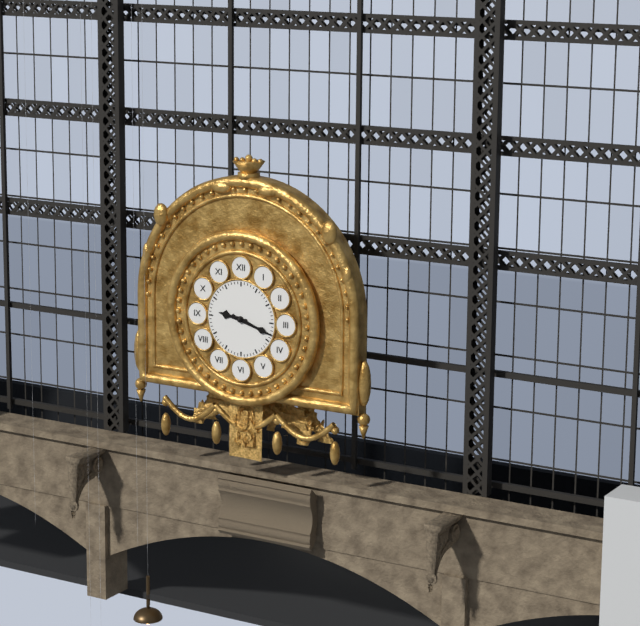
9 h 18 min
